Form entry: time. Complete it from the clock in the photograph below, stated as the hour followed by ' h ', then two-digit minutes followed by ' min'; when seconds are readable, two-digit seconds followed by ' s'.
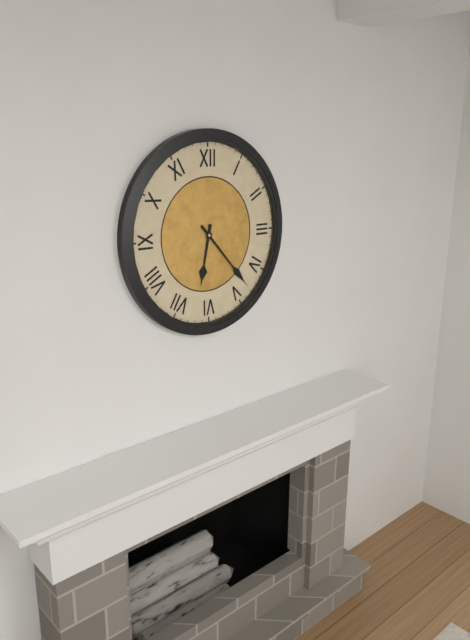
6 h 23 min
